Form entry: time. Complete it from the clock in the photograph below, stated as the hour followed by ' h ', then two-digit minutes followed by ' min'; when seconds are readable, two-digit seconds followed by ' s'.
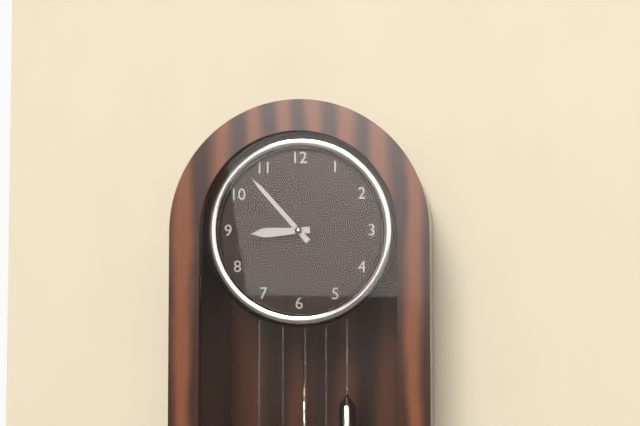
8 h 53 min
